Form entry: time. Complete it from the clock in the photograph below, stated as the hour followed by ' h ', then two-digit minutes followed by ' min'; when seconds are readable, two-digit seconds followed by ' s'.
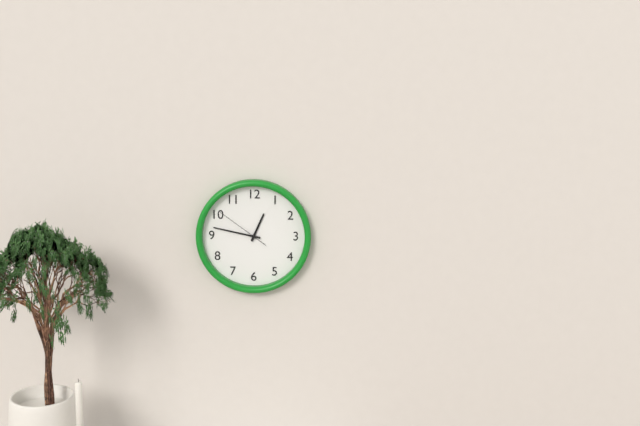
12 h 47 min 51 s
